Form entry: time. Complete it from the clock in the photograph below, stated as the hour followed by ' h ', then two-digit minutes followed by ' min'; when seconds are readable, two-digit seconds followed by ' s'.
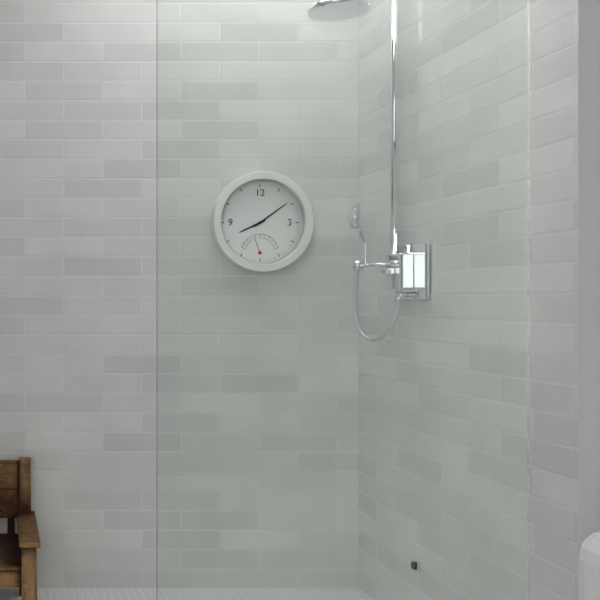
8 h 09 min
